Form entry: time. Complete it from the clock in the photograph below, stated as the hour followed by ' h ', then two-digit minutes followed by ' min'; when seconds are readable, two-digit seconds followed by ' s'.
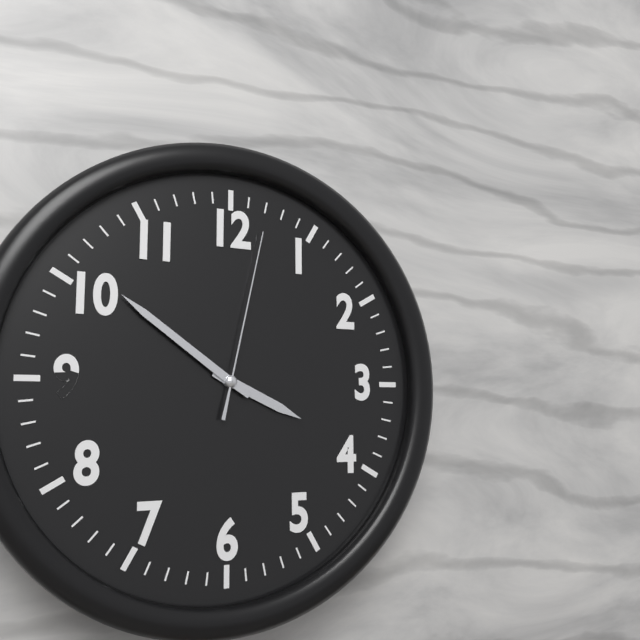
3 h 51 min 02 s
